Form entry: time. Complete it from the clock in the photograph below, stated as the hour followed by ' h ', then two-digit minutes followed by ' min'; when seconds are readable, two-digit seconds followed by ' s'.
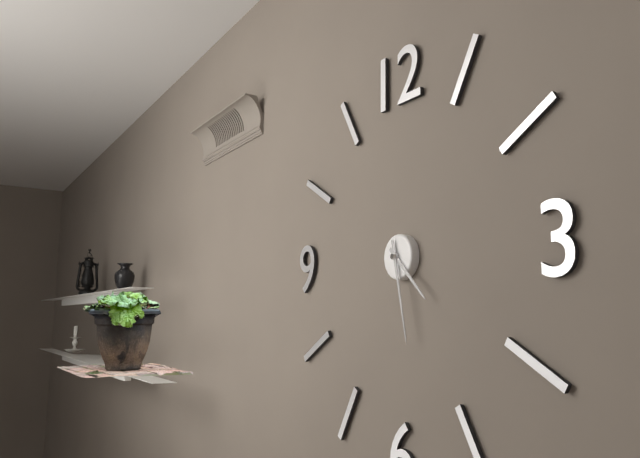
4 h 28 min
